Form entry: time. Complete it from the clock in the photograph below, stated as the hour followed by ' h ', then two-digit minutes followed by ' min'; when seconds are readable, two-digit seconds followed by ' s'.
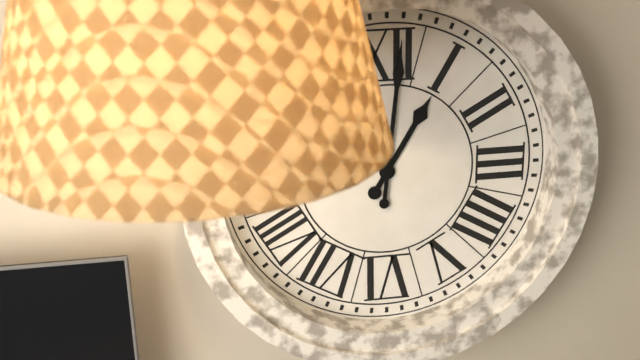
1 h 01 min
